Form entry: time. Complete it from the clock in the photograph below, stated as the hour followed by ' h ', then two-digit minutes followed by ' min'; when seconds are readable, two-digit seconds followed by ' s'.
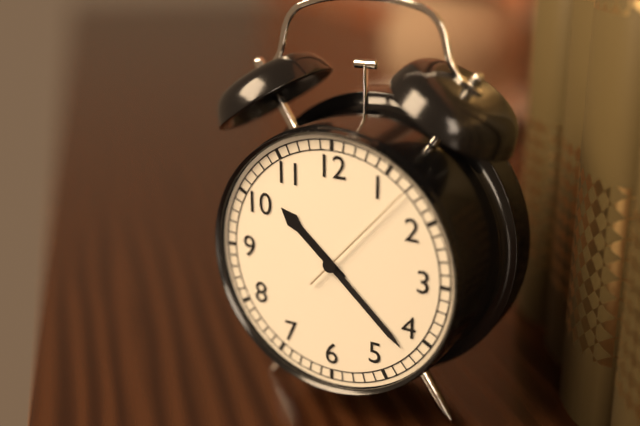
10 h 22 min 07 s
